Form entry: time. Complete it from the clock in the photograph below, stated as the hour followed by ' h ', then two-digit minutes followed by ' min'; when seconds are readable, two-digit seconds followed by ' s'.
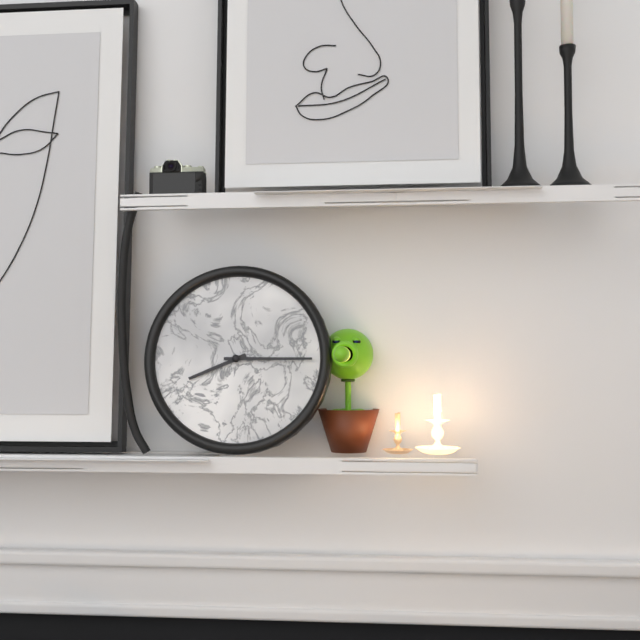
8 h 15 min
